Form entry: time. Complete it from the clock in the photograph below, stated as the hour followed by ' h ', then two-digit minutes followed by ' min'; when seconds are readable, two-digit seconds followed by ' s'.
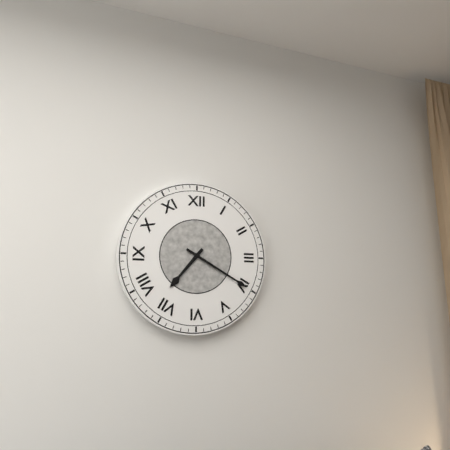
7 h 20 min
